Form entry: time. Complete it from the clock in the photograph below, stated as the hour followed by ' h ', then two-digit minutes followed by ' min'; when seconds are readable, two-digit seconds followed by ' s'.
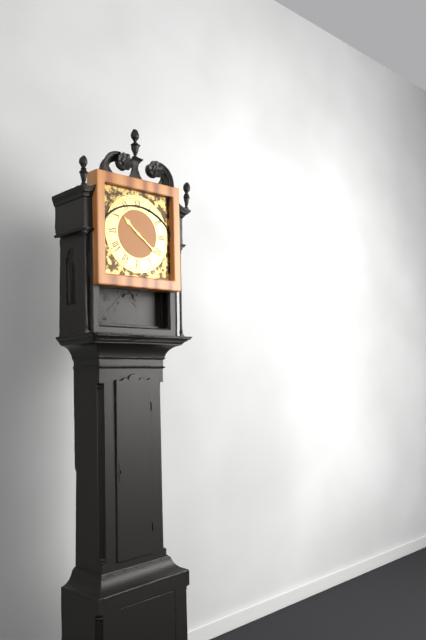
10 h 21 min
